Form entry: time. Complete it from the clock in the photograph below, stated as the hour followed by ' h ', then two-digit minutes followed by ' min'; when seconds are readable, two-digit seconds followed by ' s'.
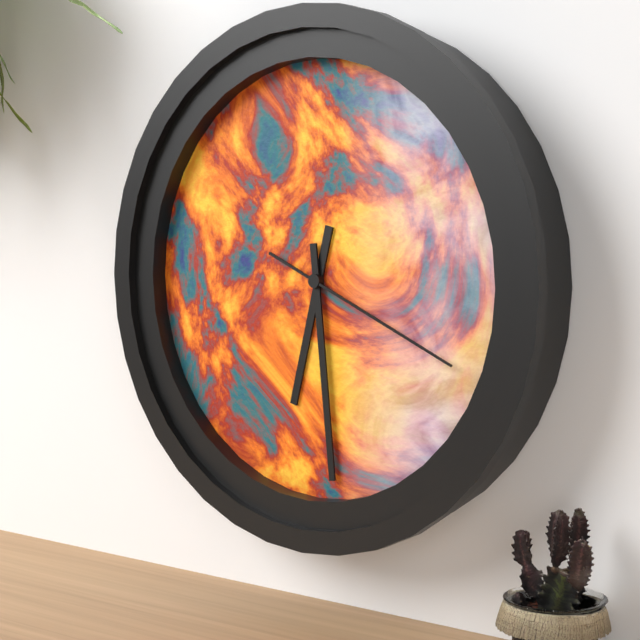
6 h 29 min 19 s
